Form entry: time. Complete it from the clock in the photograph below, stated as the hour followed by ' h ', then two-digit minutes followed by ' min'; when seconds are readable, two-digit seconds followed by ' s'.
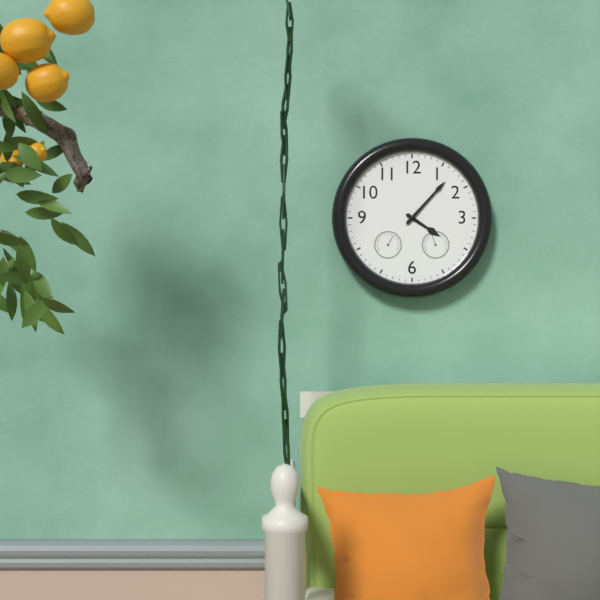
4 h 07 min
